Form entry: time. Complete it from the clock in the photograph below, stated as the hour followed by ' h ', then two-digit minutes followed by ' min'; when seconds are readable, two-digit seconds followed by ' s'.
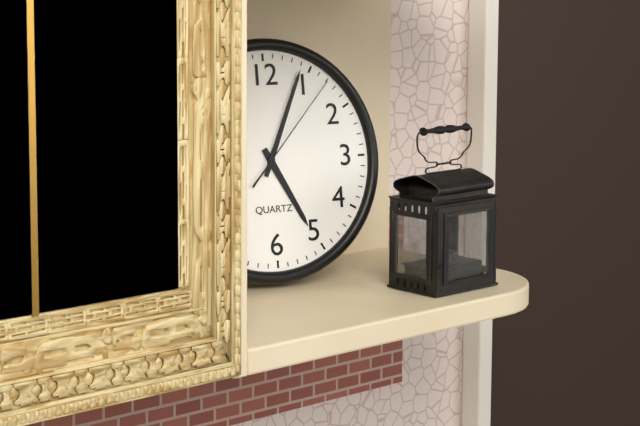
5 h 04 min 07 s
